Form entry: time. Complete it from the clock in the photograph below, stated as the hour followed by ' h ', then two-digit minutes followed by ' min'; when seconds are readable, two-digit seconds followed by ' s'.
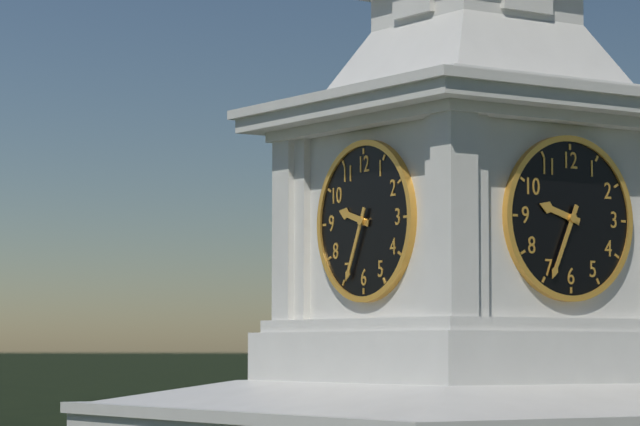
9 h 34 min
